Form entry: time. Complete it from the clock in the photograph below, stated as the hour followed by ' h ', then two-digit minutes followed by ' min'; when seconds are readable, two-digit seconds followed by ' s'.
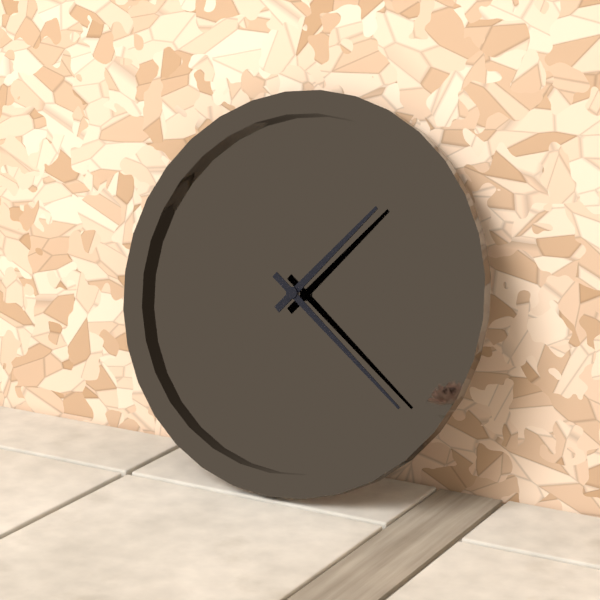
1 h 21 min
